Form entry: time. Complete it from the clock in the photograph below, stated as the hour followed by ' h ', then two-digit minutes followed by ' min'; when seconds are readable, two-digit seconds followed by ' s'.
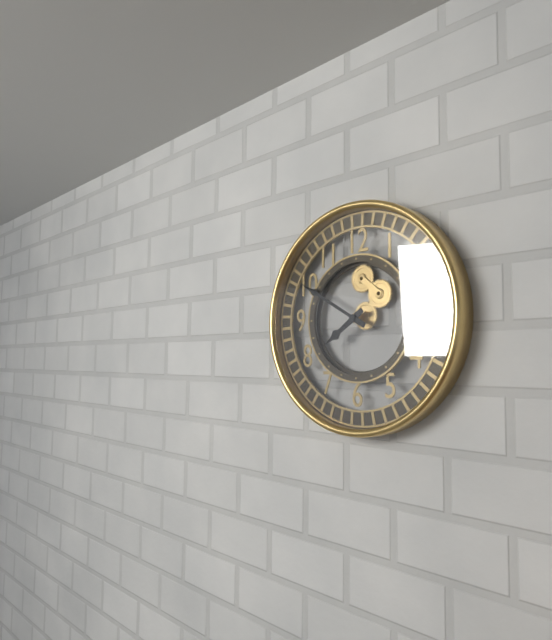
7 h 50 min
